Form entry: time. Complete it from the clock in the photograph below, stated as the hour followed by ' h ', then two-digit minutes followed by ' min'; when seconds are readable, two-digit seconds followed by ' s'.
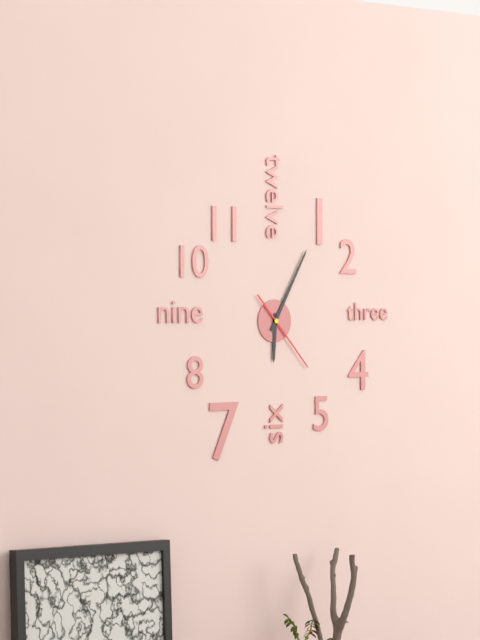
6 h 05 min 23 s
